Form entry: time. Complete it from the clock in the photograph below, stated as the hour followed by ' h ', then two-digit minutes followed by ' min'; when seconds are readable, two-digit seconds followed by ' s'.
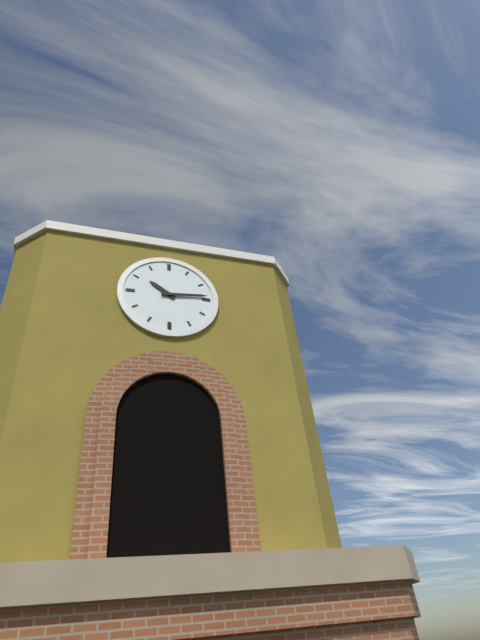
10 h 14 min
